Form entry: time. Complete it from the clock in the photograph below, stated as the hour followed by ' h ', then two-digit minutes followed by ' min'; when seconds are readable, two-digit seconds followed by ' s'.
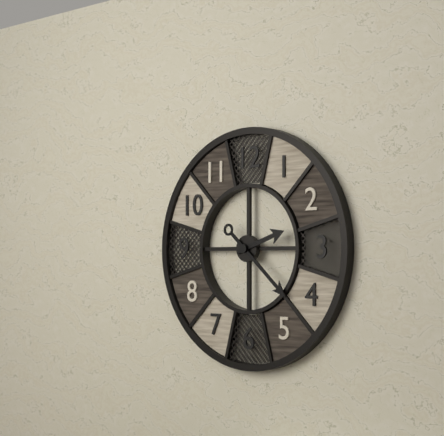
2 h 22 min
